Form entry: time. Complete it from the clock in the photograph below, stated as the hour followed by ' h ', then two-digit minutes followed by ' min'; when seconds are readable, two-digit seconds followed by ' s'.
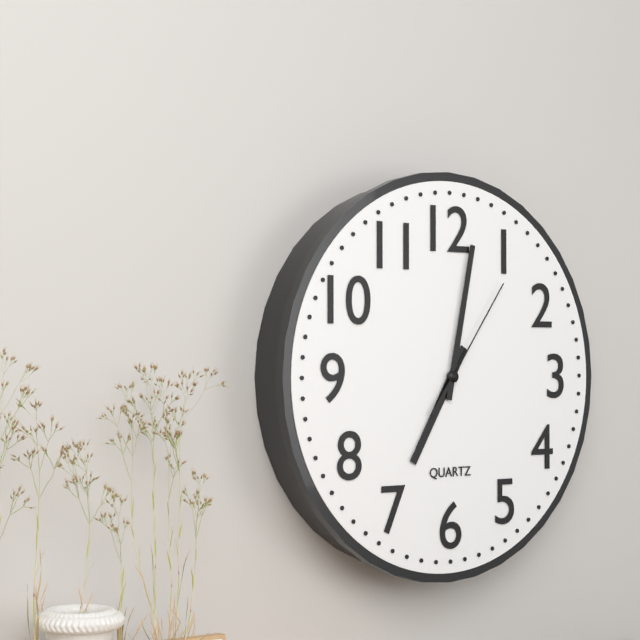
7 h 02 min 06 s
